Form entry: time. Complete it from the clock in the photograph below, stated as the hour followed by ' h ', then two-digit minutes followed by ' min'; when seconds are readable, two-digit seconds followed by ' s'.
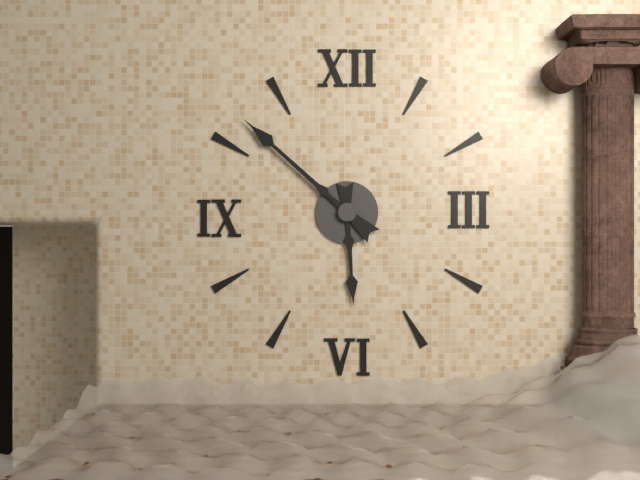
5 h 52 min
